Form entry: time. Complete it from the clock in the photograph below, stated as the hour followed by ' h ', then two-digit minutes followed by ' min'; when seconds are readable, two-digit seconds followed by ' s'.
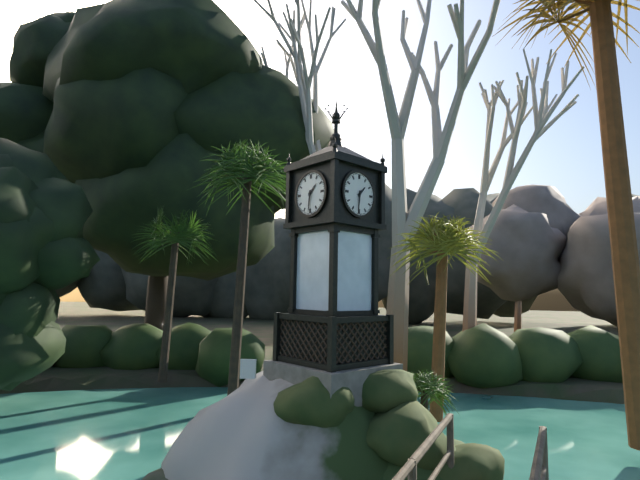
1 h 31 min
